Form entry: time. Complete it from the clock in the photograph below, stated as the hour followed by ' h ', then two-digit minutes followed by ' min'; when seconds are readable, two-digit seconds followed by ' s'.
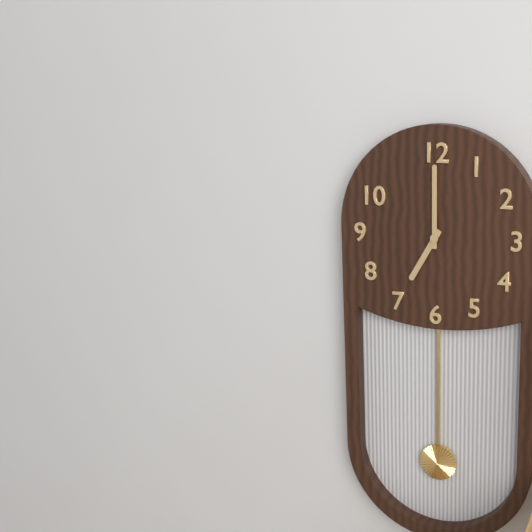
7 h 00 min
